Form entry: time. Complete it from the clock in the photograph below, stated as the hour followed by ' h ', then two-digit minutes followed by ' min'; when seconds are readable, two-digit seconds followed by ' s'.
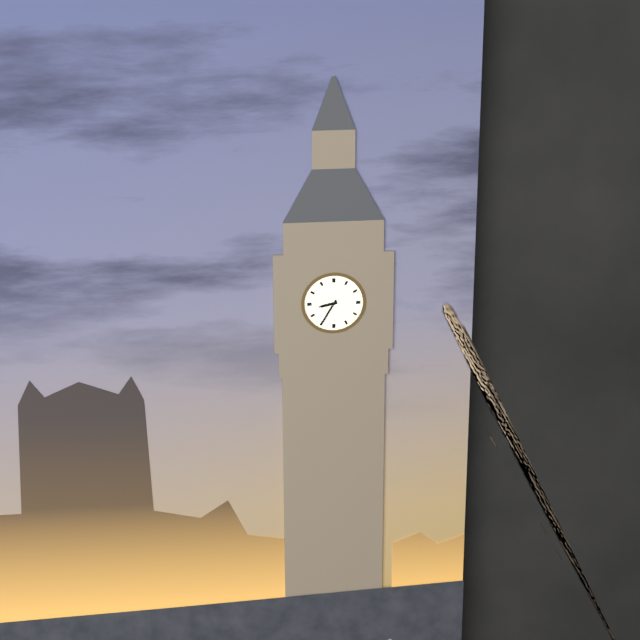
8 h 35 min
